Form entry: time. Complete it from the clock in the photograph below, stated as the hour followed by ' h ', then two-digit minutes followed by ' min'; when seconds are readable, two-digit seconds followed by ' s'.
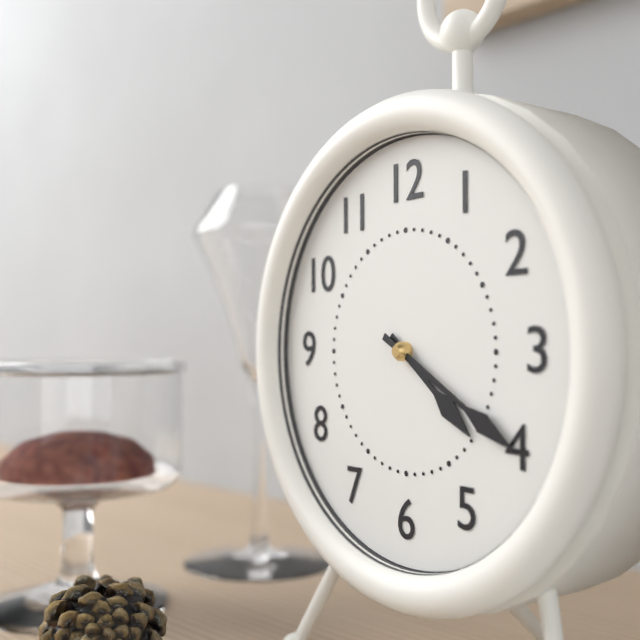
4 h 20 min
